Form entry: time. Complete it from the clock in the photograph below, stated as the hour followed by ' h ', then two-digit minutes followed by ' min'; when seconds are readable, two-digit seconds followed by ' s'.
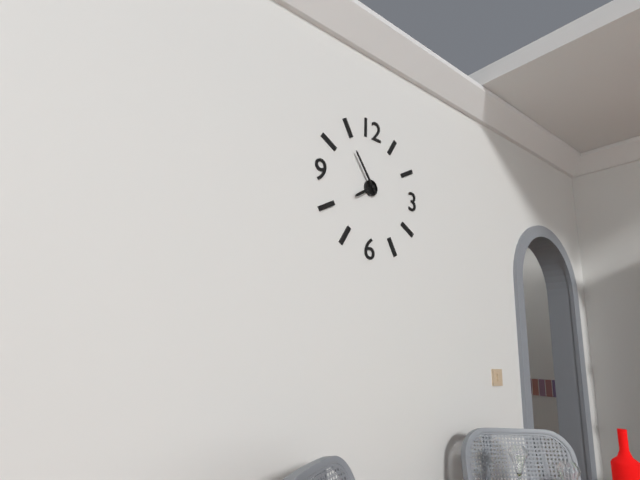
7 h 54 min
